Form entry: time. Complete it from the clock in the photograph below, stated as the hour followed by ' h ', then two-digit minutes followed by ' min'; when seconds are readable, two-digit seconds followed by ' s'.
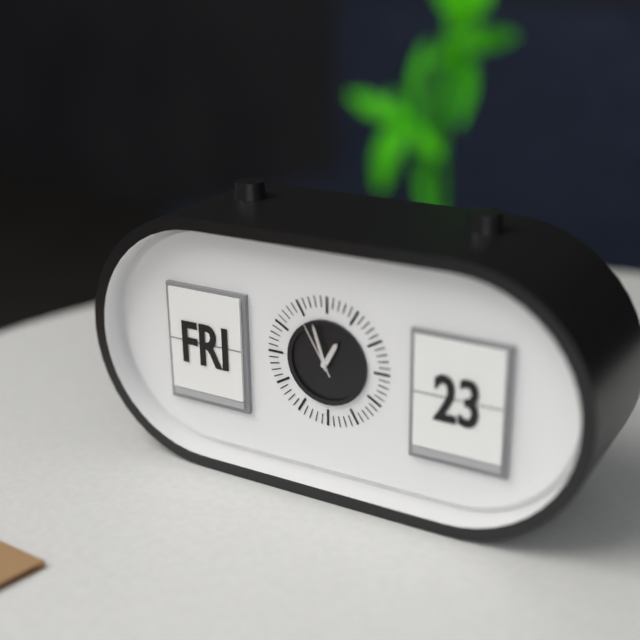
12 h 57 min 55 s
